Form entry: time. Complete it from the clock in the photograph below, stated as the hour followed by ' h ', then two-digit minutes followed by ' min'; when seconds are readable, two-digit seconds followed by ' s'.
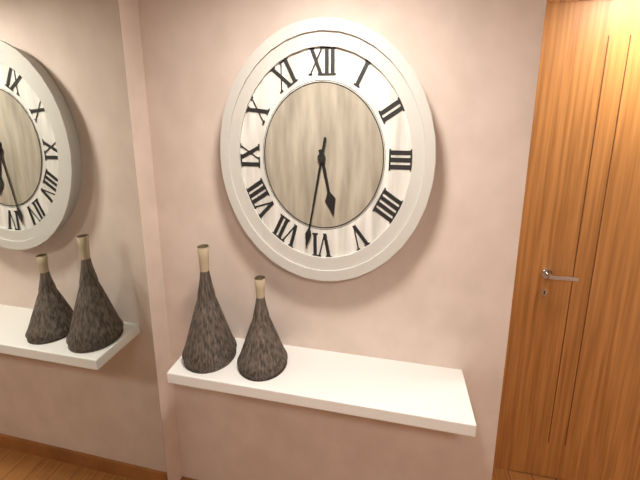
5 h 32 min
